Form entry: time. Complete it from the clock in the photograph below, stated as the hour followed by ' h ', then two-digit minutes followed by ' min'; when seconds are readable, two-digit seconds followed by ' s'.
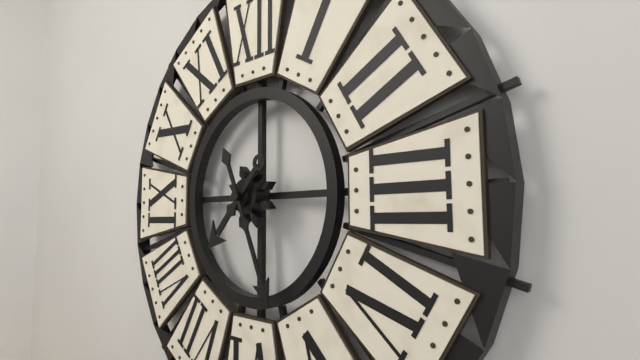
7 h 26 min
